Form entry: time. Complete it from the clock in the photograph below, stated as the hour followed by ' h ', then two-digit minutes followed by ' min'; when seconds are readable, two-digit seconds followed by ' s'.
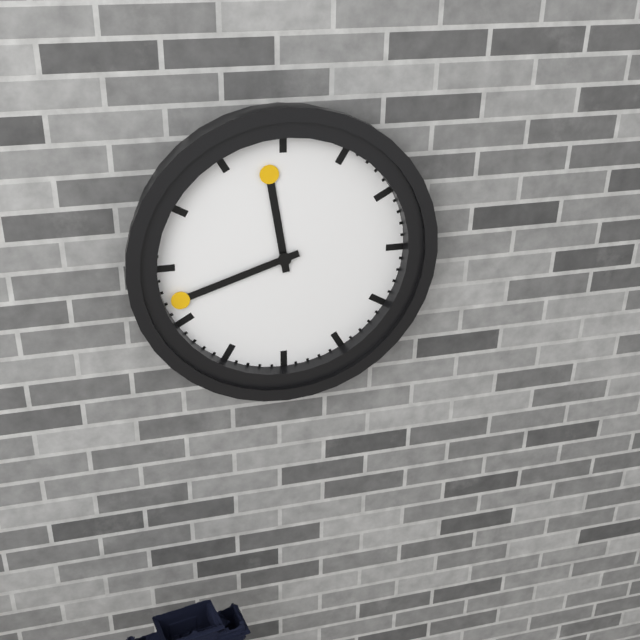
11 h 42 min
